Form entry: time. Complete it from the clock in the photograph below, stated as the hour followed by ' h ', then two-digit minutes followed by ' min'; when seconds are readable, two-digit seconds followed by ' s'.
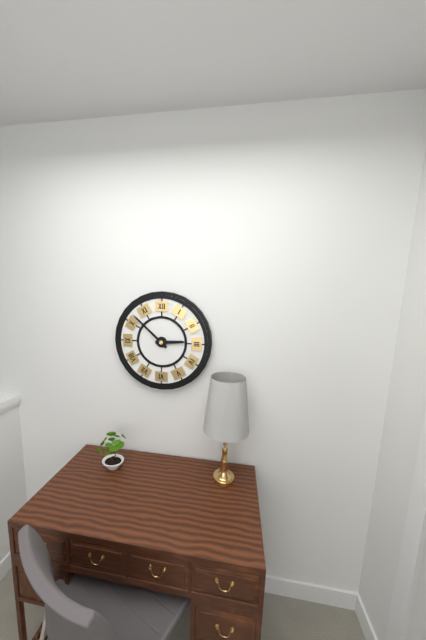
2 h 52 min
